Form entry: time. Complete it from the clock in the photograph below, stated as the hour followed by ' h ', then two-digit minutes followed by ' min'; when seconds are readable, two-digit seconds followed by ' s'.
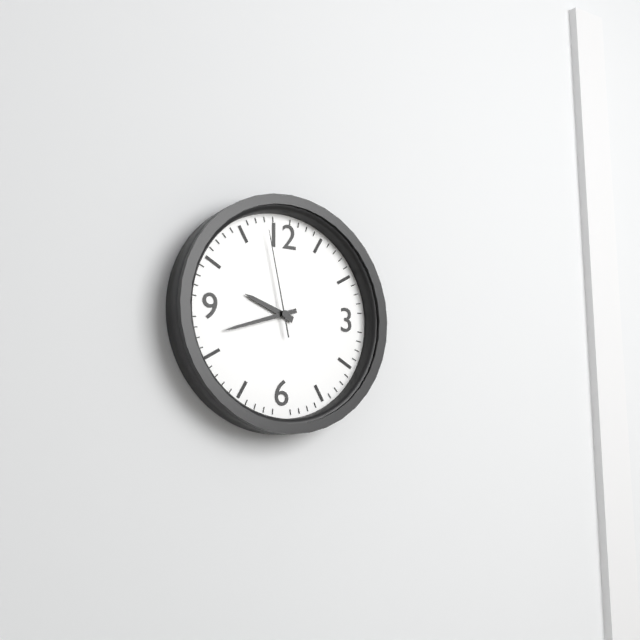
9 h 42 min 58 s
